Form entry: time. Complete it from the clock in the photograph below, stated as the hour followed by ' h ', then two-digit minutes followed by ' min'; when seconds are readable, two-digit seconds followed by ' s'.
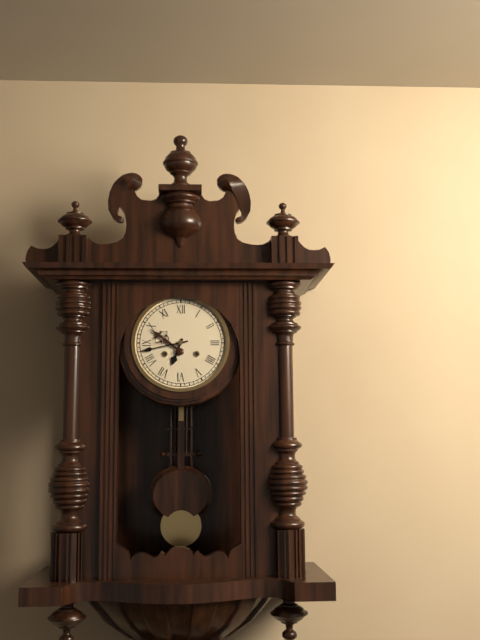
6 h 43 min
